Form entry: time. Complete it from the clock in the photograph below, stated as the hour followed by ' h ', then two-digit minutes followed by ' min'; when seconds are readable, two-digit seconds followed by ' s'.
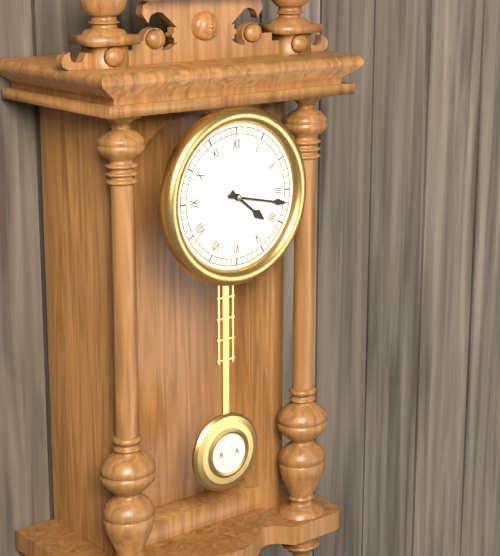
4 h 17 min
